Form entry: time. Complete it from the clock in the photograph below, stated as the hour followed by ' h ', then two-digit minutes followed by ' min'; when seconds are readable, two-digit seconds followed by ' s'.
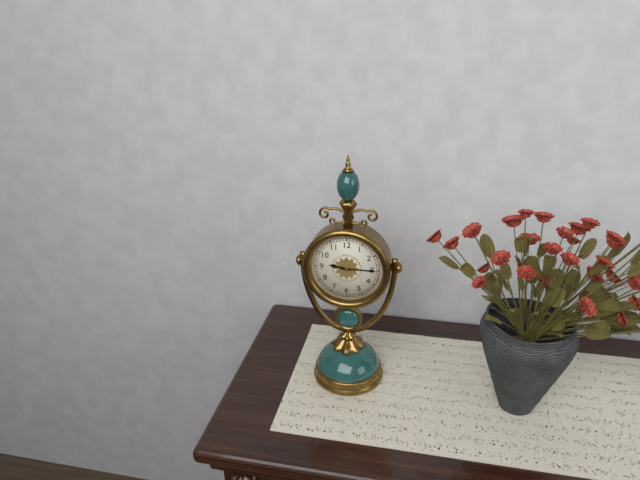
9 h 15 min
